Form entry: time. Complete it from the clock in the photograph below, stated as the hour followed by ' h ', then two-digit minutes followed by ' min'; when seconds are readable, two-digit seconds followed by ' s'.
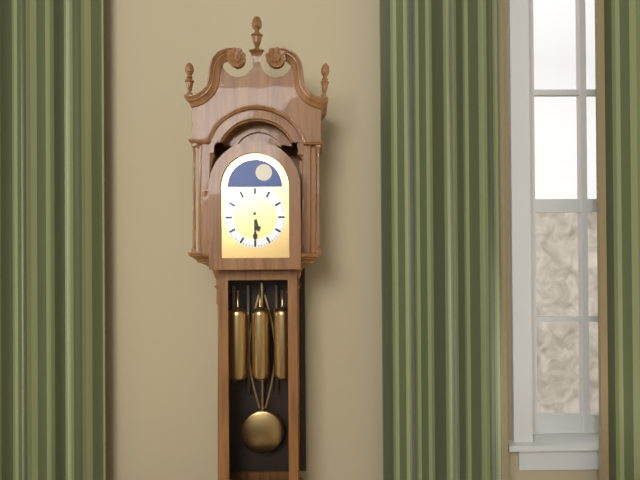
5 h 30 min
